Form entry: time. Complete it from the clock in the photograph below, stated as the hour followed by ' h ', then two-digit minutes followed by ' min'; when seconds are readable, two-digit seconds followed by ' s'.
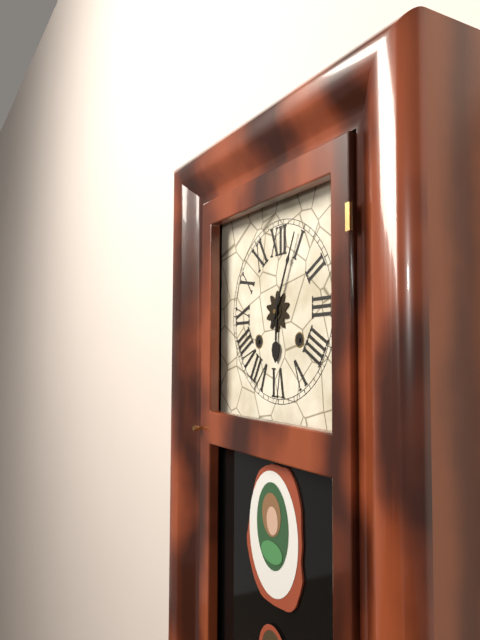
6 h 04 min
